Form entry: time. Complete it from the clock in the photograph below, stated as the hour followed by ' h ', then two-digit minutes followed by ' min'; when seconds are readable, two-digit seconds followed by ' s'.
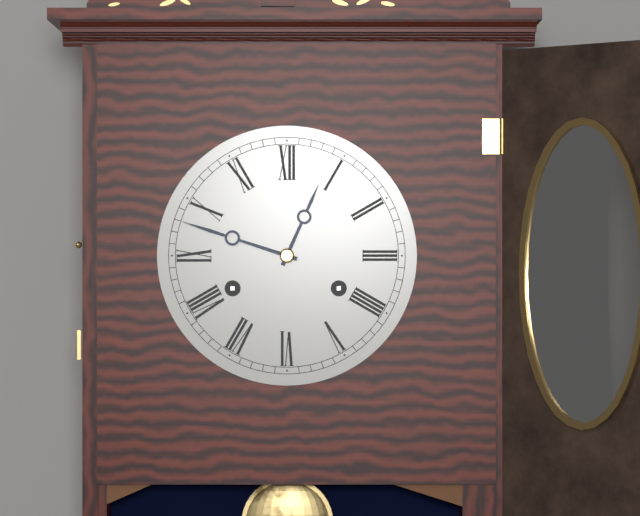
12 h 48 min
